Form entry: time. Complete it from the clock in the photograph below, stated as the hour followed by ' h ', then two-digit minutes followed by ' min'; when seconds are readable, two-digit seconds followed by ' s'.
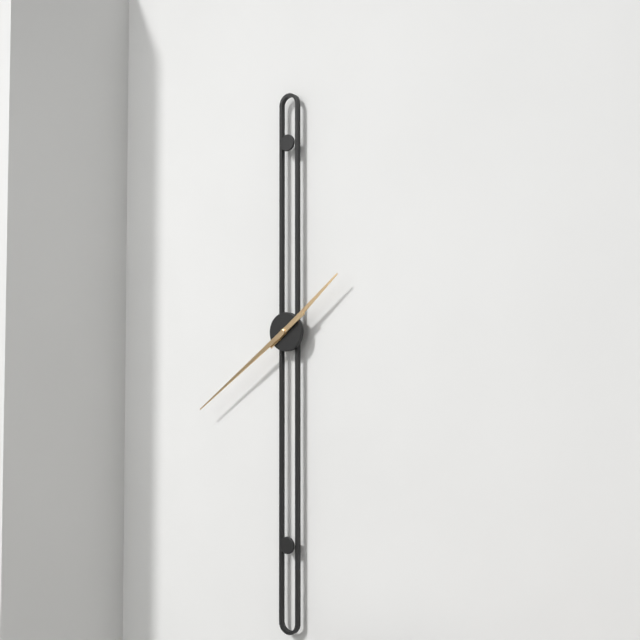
1 h 39 min
